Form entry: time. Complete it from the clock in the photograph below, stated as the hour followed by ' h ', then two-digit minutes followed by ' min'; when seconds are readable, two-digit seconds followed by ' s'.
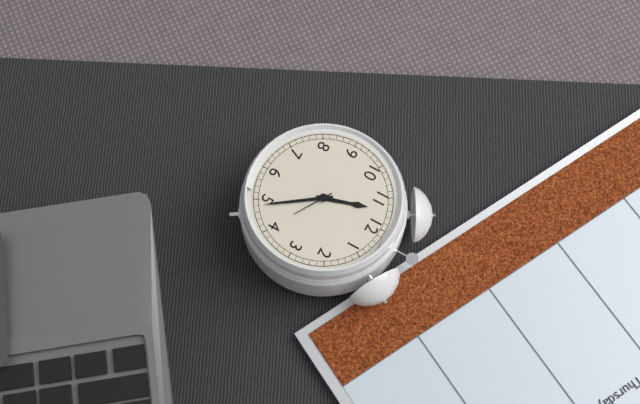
11 h 24 min
